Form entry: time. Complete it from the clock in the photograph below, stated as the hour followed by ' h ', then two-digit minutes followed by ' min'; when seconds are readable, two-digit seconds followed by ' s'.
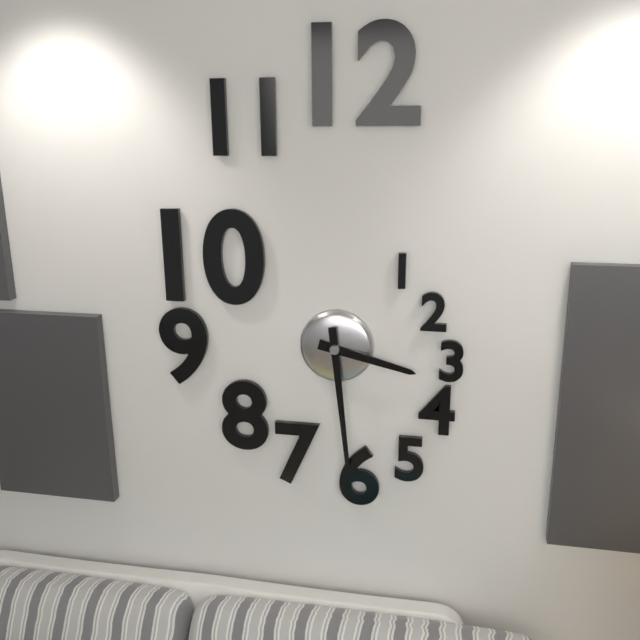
3 h 29 min
